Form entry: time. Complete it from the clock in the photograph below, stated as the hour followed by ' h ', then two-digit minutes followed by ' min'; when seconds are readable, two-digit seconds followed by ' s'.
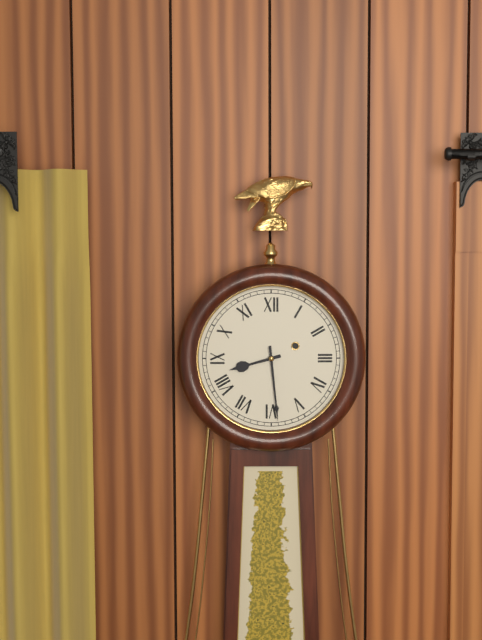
8 h 29 min
